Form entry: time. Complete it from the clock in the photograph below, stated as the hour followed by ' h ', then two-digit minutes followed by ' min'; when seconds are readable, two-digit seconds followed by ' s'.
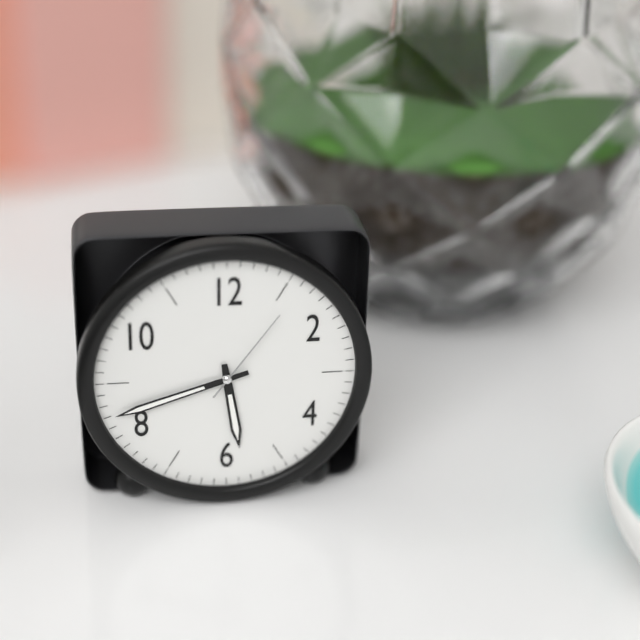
5 h 42 min 06 s
